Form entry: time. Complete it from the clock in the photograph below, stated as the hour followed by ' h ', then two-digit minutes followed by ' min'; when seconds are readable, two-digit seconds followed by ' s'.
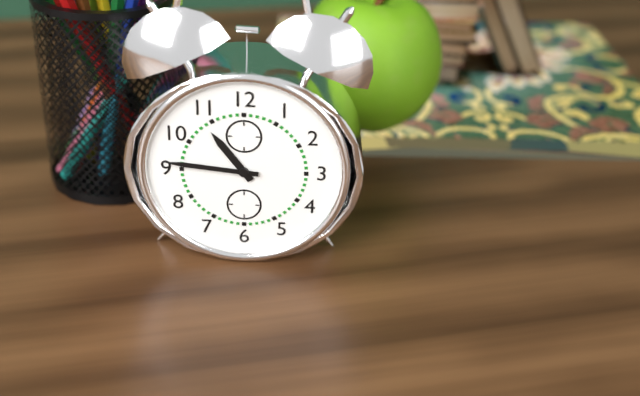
10 h 46 min
